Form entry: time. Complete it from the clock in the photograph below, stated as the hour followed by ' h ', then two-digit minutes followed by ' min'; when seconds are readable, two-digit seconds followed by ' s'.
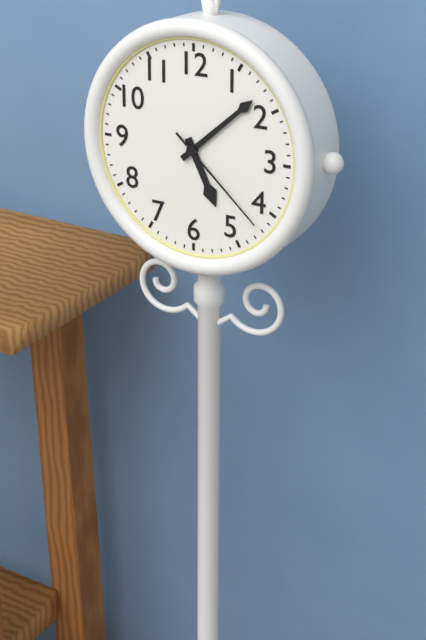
5 h 08 min 22 s
